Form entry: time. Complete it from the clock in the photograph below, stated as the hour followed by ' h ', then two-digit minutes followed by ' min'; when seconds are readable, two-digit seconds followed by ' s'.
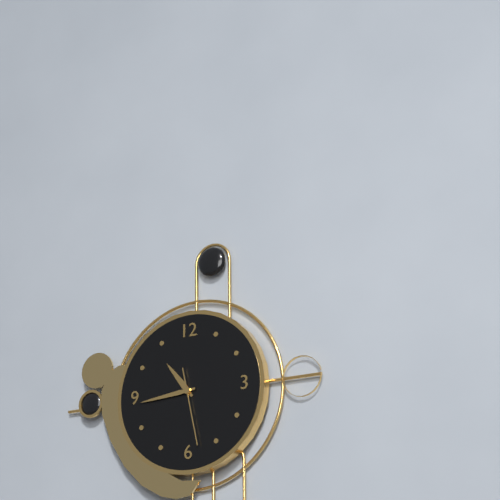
10 h 44 min 28 s
